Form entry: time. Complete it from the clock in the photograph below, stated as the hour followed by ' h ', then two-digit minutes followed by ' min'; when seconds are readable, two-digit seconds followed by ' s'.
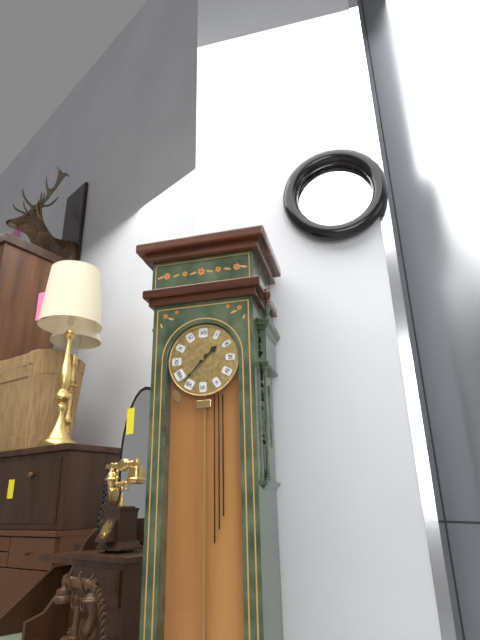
1 h 37 min
